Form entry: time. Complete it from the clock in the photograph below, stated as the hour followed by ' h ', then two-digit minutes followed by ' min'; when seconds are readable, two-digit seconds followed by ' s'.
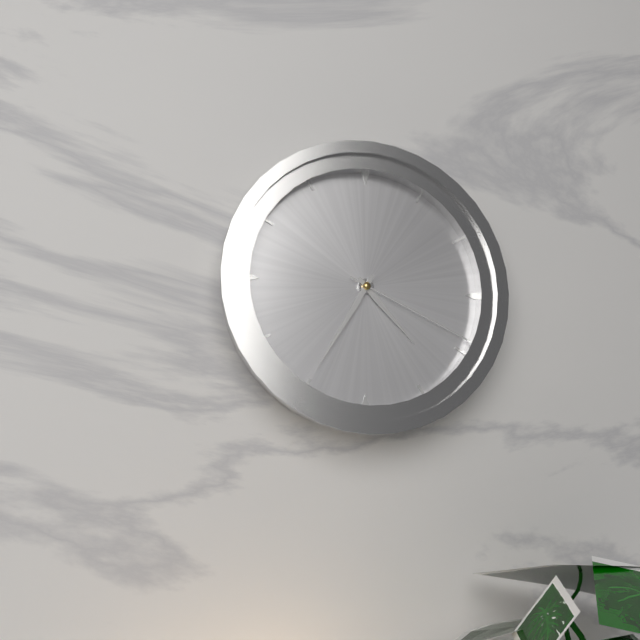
4 h 35 min 19 s
